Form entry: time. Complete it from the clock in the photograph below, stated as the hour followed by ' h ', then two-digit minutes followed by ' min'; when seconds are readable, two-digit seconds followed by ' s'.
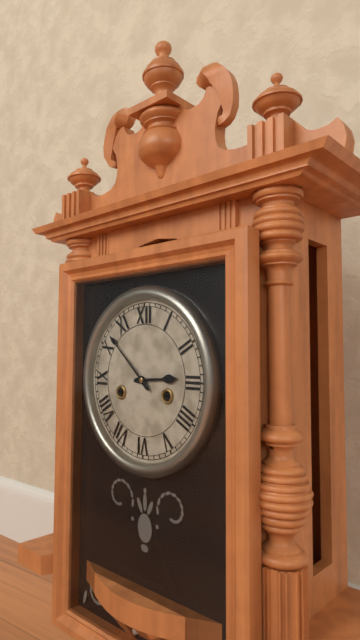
2 h 52 min
